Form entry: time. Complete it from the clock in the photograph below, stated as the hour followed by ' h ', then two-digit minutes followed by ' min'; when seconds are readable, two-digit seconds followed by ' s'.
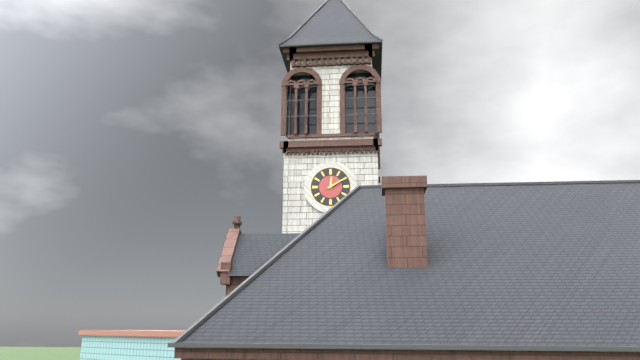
12 h 10 min
